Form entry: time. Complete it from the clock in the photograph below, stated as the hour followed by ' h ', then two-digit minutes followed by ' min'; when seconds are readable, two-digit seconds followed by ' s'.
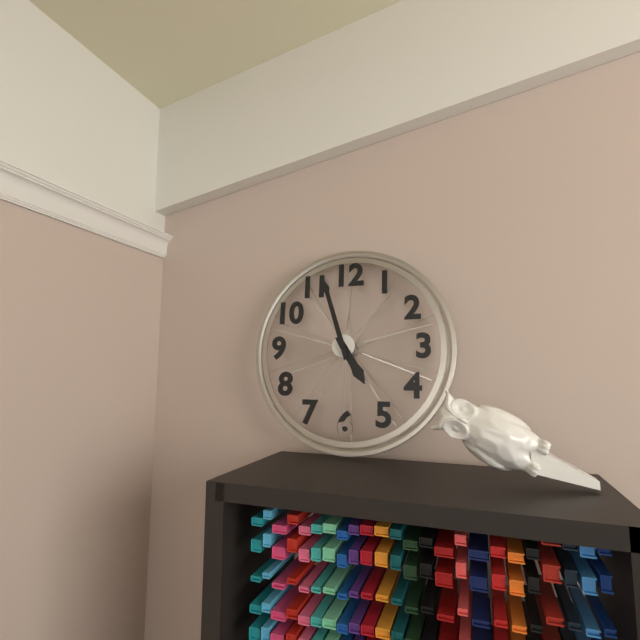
4 h 57 min
